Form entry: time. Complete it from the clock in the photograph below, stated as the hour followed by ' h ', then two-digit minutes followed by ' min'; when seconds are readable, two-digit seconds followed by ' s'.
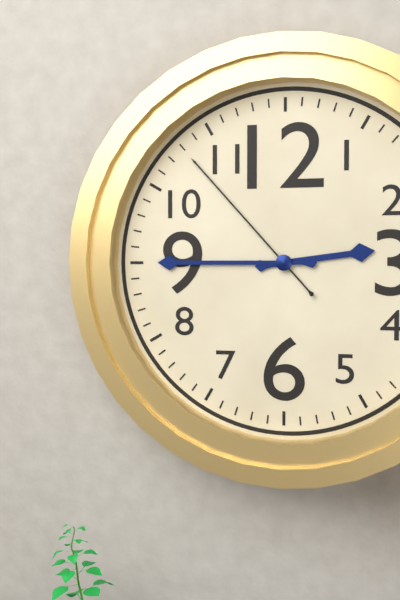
2 h 45 min 53 s
